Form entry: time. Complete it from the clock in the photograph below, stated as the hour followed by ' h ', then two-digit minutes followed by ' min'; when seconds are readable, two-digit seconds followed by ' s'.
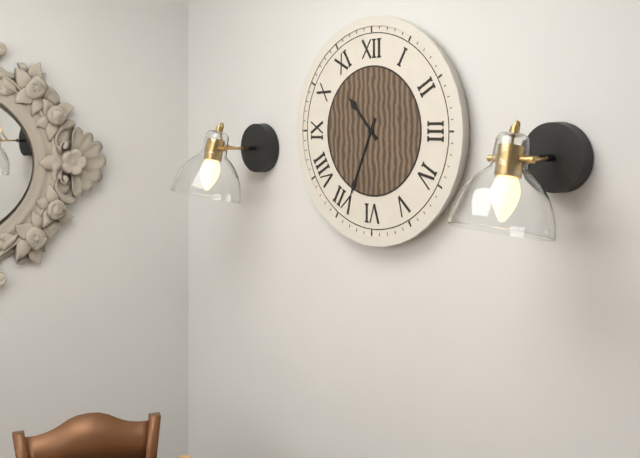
10 h 34 min
